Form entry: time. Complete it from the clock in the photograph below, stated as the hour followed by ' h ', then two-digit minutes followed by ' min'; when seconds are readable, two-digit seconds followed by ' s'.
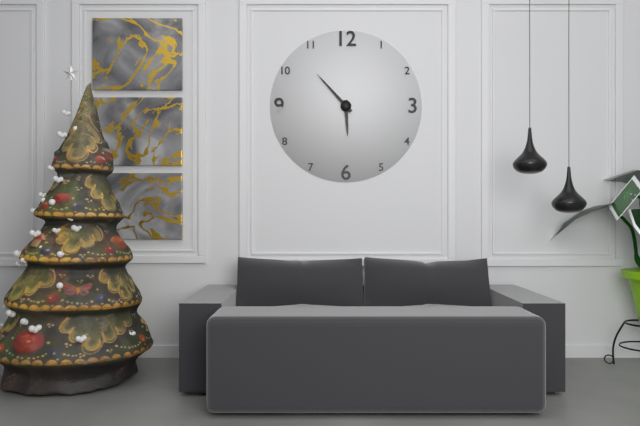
5 h 53 min
